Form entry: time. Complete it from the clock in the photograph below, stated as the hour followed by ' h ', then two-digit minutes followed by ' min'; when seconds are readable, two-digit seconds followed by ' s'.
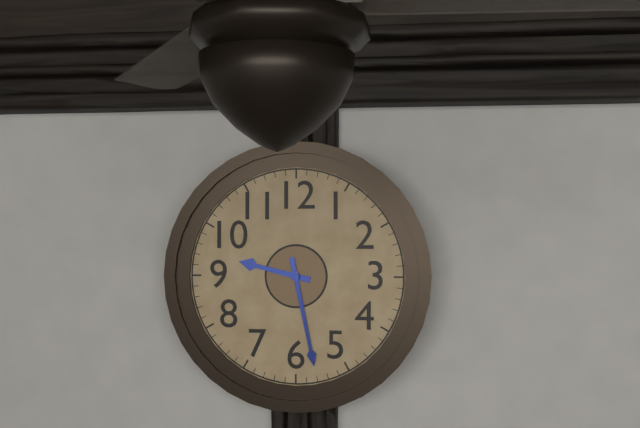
9 h 28 min
